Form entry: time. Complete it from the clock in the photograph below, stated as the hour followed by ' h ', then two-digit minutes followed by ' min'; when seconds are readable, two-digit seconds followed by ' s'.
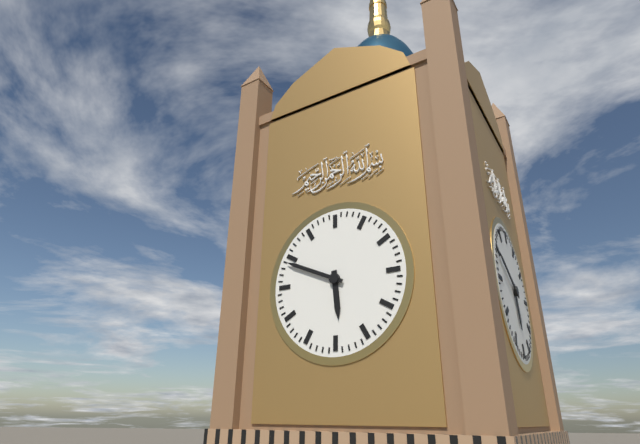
5 h 49 min
